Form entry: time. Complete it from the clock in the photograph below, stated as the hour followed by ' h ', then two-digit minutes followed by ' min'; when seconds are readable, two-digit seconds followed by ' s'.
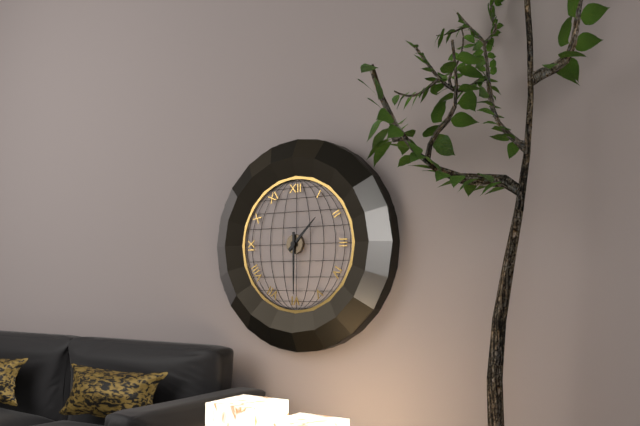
1 h 30 min
